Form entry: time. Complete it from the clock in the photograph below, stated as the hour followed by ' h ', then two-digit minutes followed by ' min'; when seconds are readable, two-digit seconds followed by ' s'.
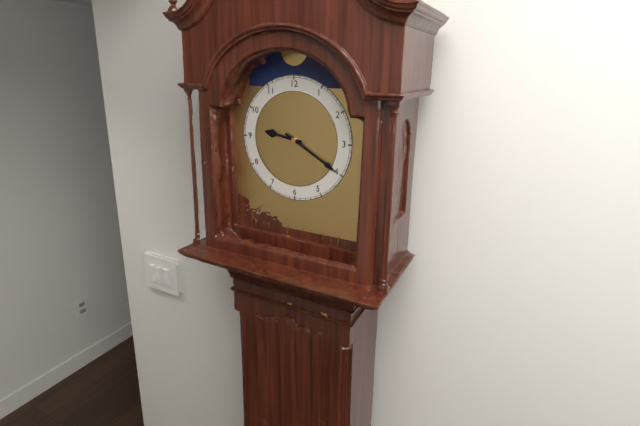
9 h 20 min
